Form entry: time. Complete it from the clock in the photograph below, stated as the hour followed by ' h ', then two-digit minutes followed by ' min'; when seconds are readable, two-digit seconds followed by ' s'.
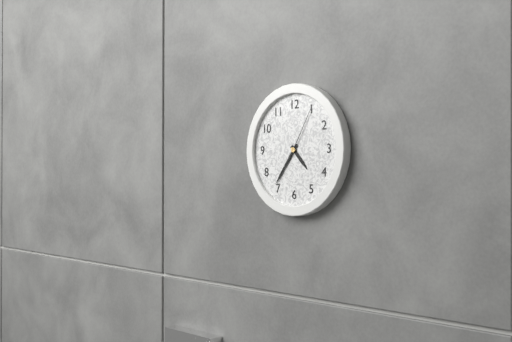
4 h 36 min 05 s
